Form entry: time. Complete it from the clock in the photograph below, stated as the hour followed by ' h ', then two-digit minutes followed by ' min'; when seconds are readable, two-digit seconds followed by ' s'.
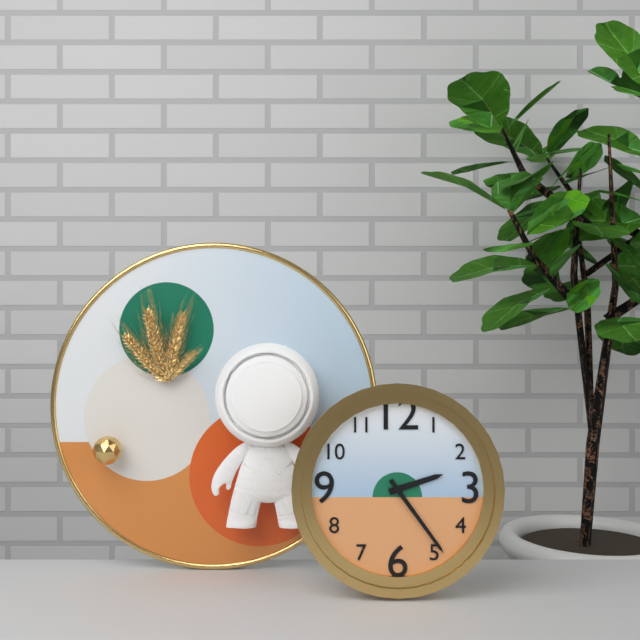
2 h 24 min
